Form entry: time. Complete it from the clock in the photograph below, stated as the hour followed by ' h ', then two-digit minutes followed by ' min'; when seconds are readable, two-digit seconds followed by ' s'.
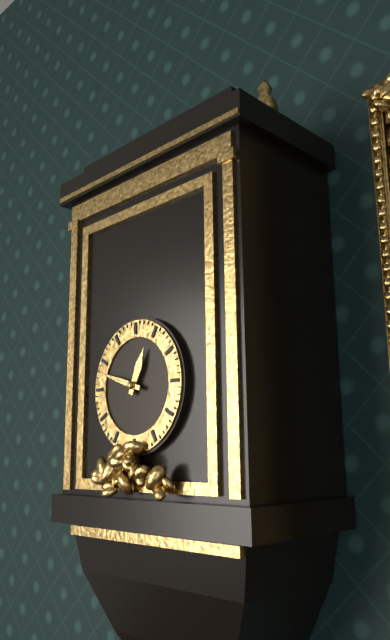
12 h 48 min
